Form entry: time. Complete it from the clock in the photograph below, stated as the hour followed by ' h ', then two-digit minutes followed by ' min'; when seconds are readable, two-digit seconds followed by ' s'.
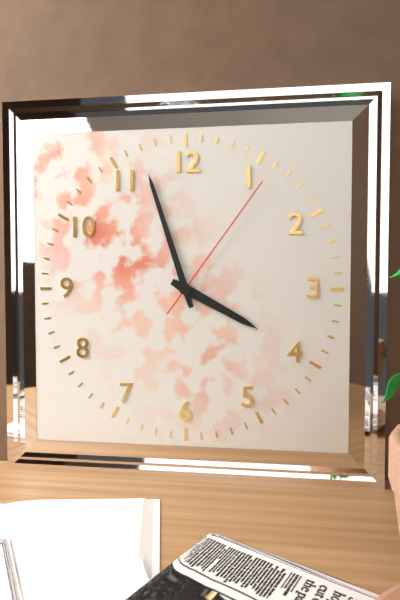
3 h 57 min 06 s
